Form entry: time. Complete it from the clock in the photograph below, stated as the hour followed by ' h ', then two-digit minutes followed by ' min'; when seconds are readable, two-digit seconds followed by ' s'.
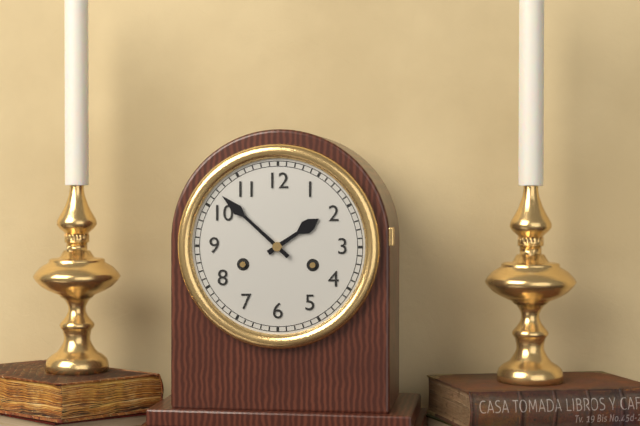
1 h 52 min
